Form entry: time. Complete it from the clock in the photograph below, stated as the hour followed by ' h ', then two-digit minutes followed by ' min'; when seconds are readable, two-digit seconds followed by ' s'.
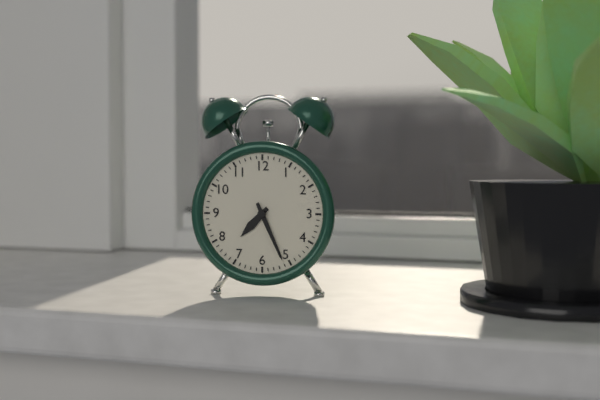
7 h 26 min
